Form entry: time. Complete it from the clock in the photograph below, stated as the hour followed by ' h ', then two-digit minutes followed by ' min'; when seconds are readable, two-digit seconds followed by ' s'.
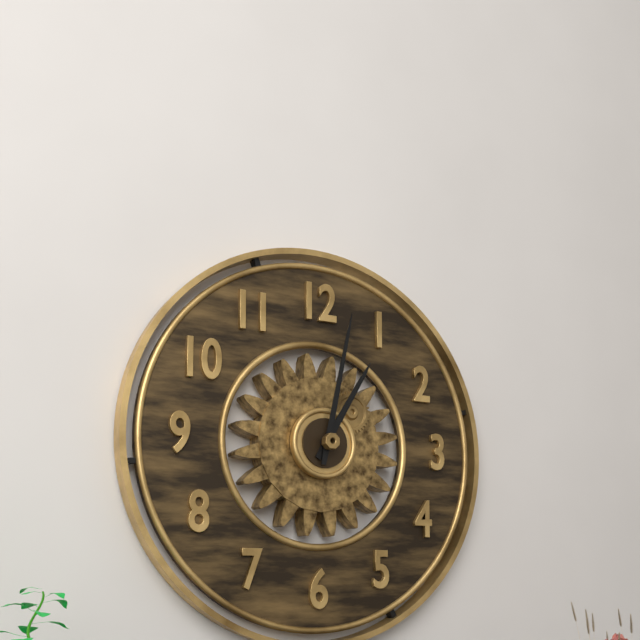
1 h 02 min
